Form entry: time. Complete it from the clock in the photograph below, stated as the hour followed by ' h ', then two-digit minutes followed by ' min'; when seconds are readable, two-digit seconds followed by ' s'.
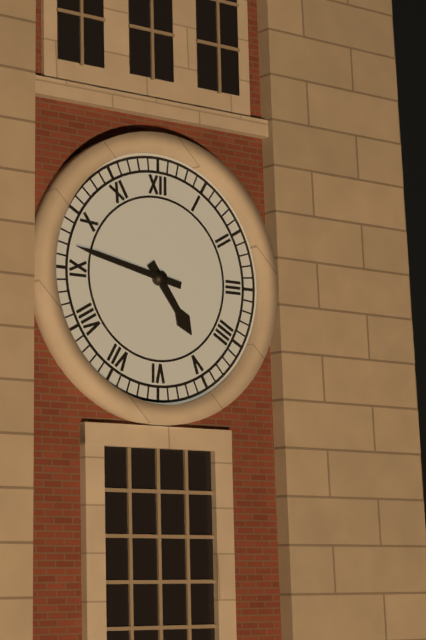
4 h 47 min
